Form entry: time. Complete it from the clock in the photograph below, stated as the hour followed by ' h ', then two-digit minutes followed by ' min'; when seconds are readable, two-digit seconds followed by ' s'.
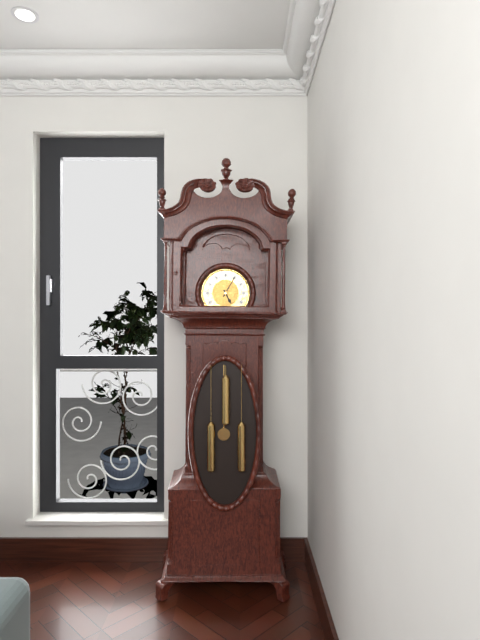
5 h 05 min
